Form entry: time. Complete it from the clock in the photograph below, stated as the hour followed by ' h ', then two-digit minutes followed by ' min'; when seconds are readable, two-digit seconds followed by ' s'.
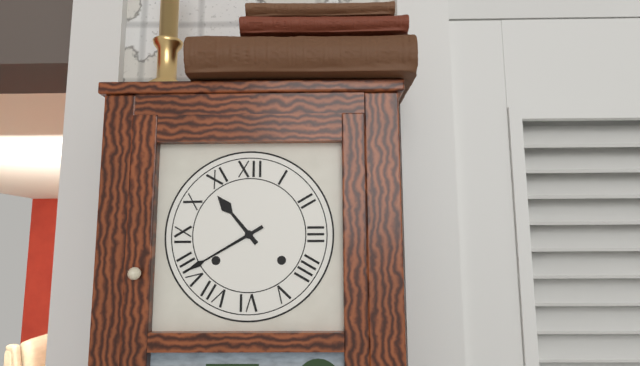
10 h 40 min
